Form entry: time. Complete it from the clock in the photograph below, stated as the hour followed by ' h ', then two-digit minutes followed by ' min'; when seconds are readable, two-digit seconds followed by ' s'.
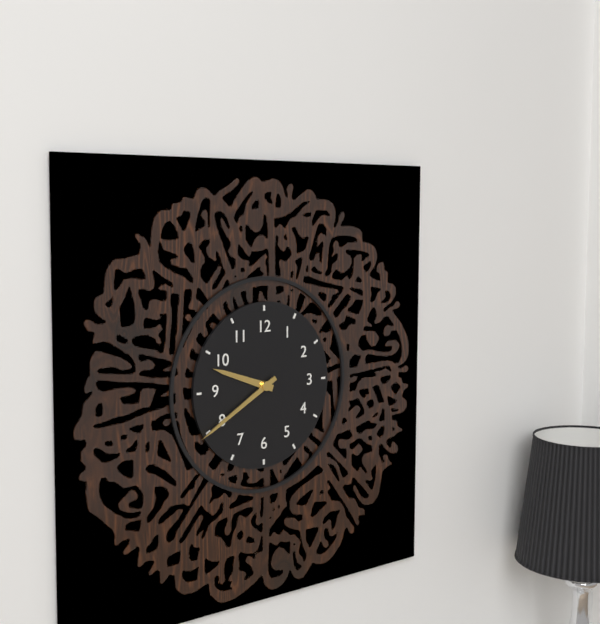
9 h 40 min
